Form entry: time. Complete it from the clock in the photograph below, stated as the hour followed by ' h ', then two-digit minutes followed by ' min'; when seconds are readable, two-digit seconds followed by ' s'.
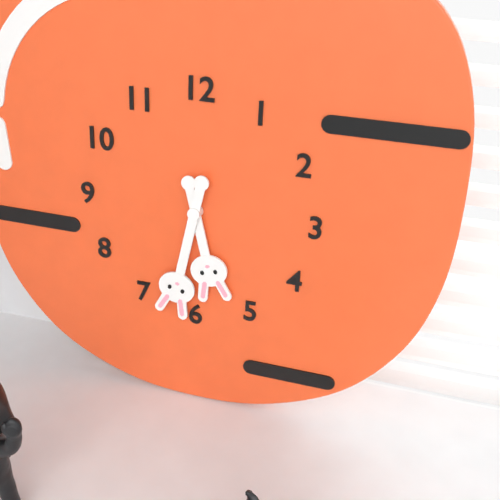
5 h 32 min
